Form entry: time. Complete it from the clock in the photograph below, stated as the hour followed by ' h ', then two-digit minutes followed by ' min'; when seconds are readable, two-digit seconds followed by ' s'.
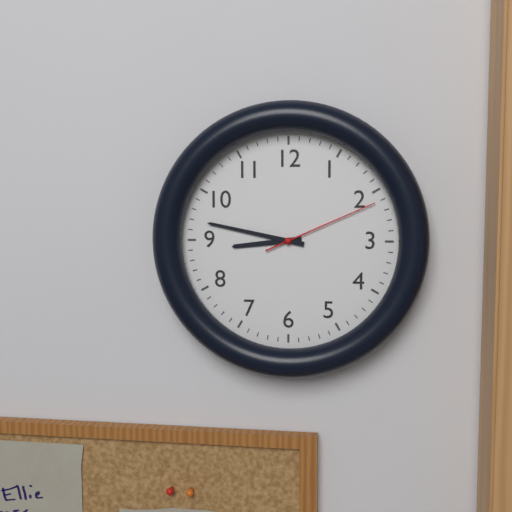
8 h 47 min 11 s
